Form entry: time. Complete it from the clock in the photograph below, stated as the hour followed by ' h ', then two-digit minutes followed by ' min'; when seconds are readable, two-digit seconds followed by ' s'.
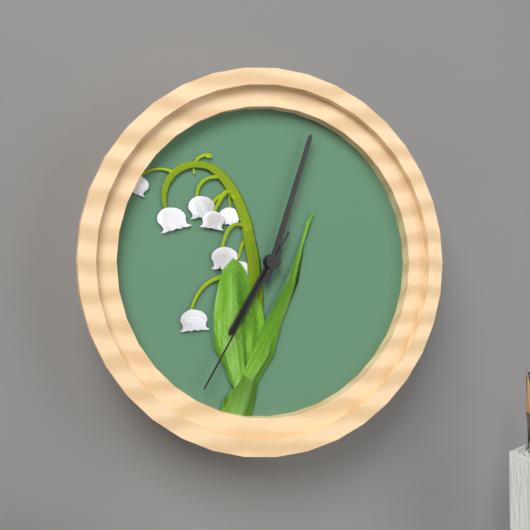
7 h 03 min 35 s
